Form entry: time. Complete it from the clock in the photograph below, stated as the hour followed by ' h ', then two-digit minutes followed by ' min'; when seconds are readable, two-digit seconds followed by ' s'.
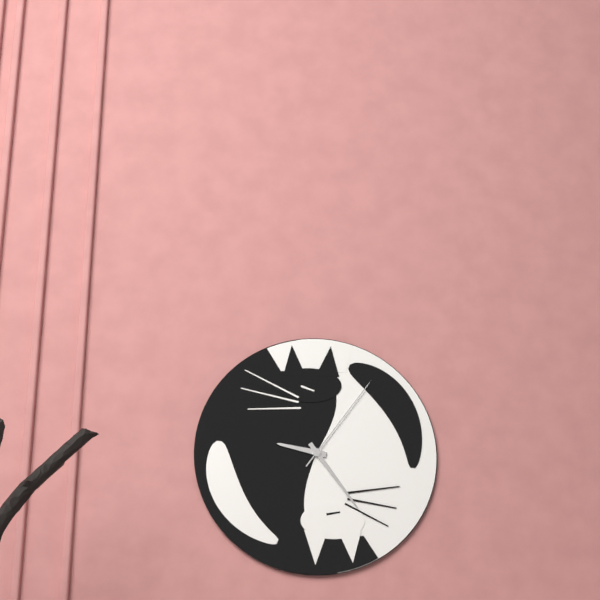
9 h 24 min 06 s
